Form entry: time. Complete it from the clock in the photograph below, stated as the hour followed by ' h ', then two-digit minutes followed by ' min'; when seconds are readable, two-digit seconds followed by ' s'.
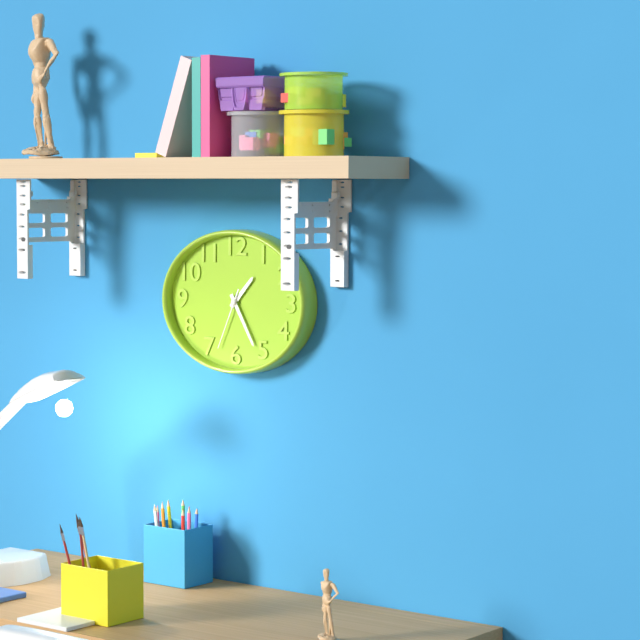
1 h 25 min 34 s
